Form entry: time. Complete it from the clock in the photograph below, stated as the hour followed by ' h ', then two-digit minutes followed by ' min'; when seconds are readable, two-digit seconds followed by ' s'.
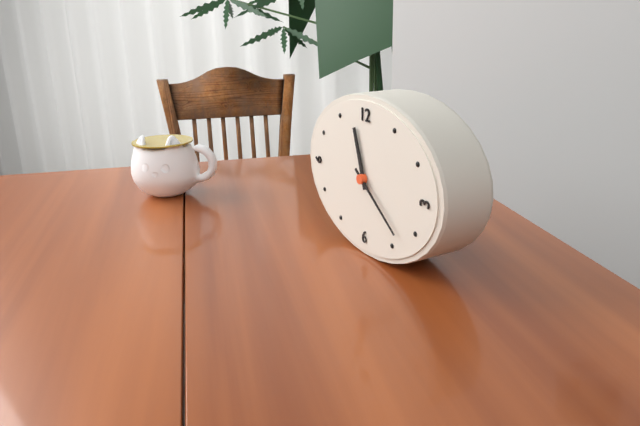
11 h 21 min
